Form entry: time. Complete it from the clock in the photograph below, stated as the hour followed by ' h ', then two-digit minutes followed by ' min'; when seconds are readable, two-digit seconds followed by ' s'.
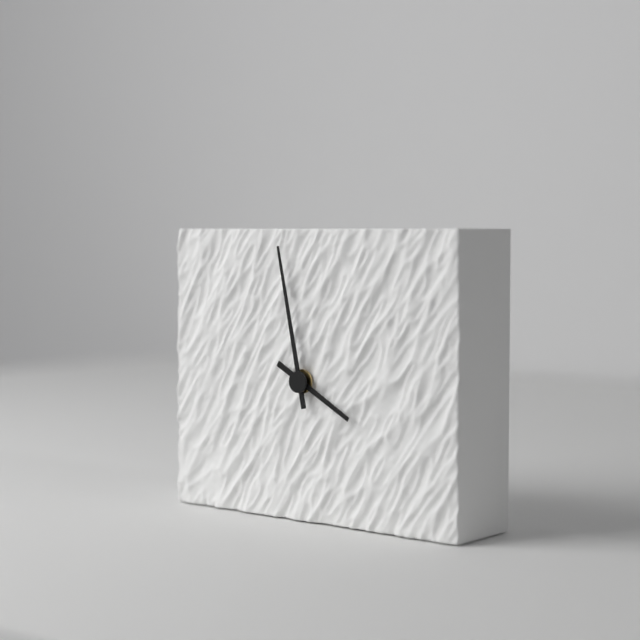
3 h 58 min
